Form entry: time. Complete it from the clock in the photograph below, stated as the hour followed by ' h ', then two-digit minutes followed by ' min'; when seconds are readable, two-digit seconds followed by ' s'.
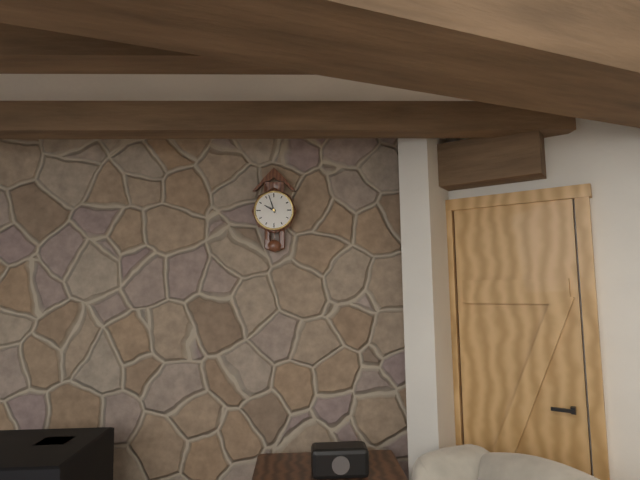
9 h 57 min
